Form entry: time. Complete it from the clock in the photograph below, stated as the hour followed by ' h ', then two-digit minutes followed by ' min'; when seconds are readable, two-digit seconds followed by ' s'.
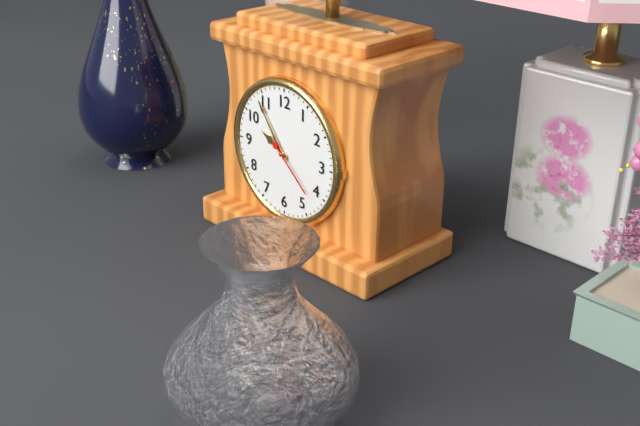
9 h 54 min 22 s
